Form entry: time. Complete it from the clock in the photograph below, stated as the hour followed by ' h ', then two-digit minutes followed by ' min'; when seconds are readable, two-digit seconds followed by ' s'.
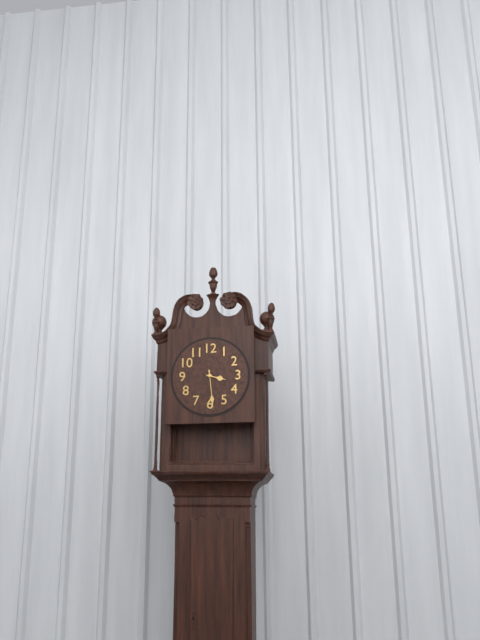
3 h 29 min
